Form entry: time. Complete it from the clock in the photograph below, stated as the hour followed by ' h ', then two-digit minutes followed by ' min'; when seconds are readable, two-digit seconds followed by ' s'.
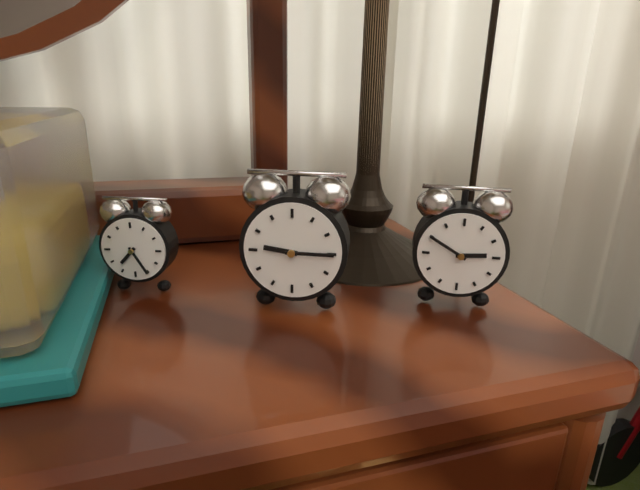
9 h 15 min
